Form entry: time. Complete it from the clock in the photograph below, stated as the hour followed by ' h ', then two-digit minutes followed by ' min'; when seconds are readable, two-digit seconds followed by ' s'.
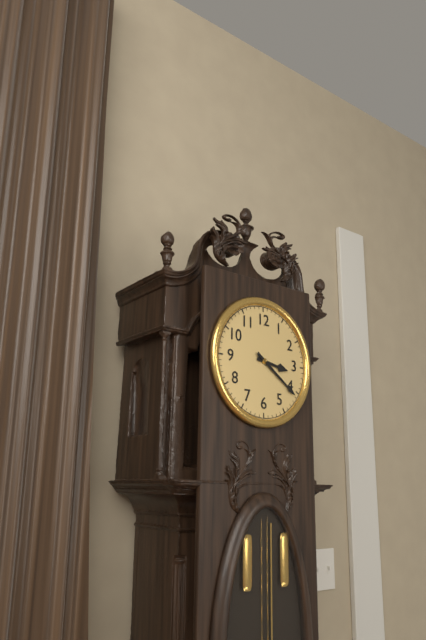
3 h 21 min
